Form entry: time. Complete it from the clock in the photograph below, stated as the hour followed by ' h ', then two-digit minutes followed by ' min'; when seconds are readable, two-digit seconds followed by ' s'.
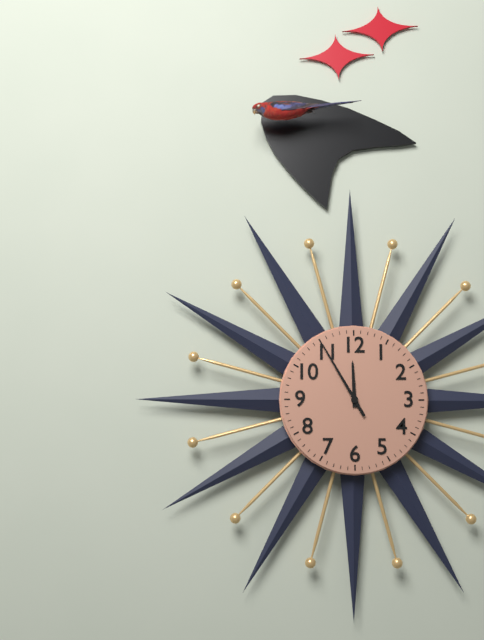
11 h 55 min
